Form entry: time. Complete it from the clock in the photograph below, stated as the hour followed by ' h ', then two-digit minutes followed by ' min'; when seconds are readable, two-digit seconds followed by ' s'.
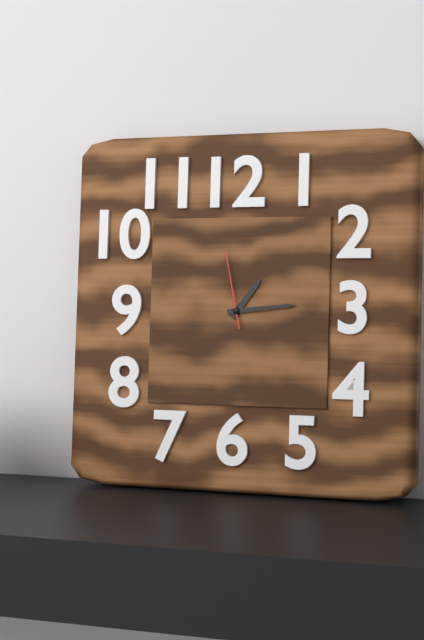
1 h 14 min 58 s
